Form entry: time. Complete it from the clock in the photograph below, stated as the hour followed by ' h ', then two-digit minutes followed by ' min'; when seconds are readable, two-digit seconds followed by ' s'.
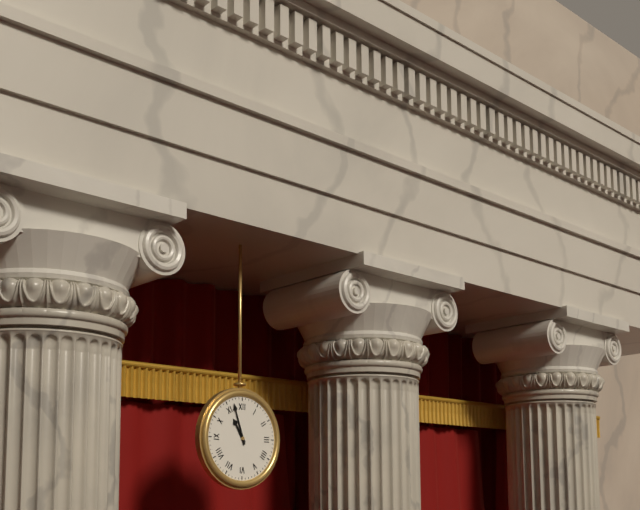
10 h 57 min
